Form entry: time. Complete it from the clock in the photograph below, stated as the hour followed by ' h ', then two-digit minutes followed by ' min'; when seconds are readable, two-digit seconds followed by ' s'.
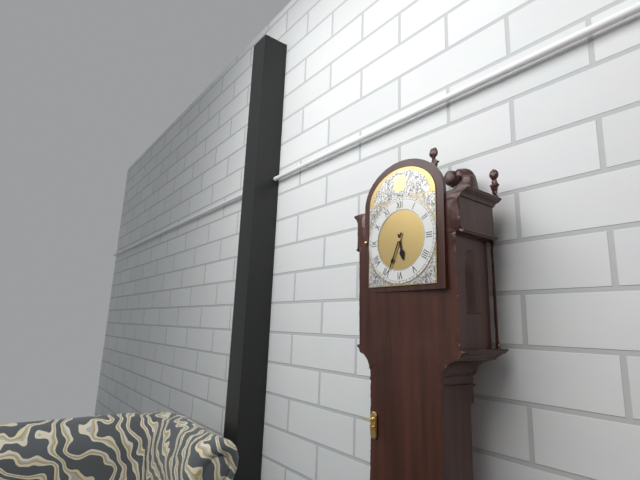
5 h 34 min
